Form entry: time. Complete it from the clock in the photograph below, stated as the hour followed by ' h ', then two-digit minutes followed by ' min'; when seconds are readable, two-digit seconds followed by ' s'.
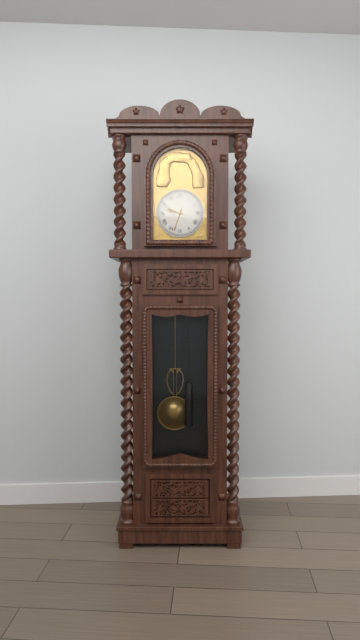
9 h 33 min
